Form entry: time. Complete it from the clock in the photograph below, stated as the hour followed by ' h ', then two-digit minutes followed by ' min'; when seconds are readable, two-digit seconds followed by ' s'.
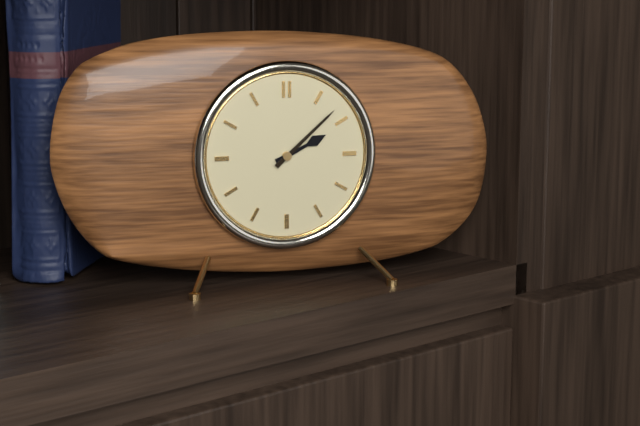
2 h 08 min
